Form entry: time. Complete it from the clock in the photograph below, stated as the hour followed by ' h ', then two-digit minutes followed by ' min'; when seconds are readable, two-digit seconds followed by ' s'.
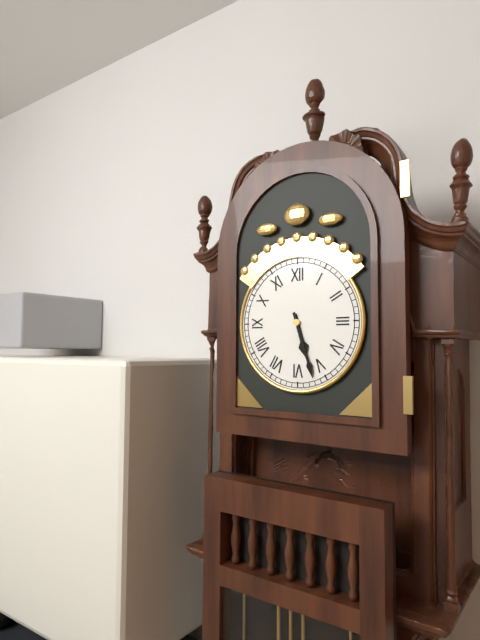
5 h 27 min
